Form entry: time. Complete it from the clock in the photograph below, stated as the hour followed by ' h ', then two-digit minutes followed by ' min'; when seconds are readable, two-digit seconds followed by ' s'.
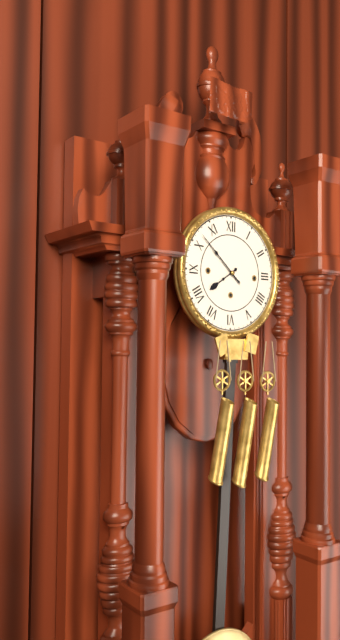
7 h 52 min
